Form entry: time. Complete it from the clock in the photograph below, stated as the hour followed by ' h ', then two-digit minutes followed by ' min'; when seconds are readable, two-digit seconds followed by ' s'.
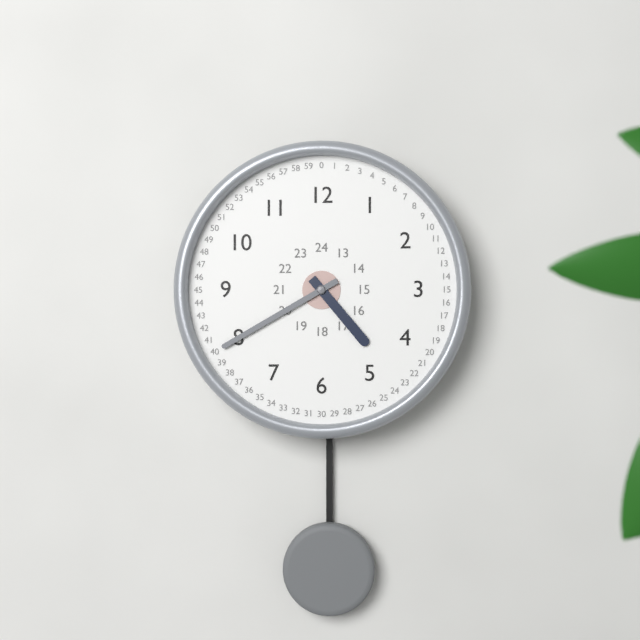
4 h 40 min
